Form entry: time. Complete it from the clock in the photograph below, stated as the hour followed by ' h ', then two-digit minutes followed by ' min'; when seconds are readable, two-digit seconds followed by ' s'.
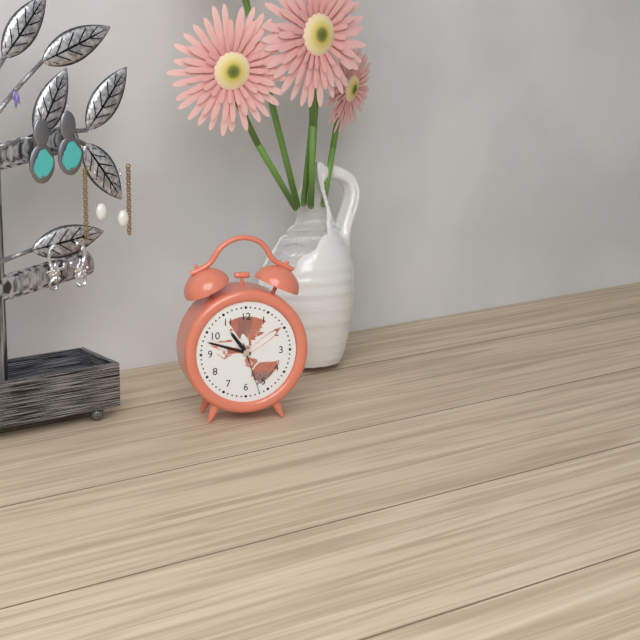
10 h 48 min 27 s
